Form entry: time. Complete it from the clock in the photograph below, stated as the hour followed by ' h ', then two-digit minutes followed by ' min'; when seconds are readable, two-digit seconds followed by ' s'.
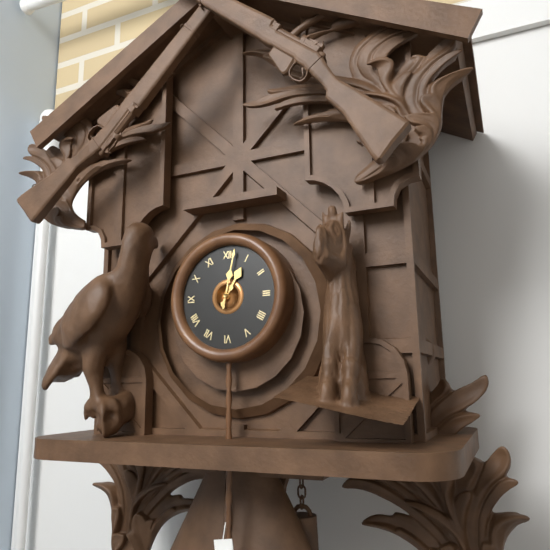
1 h 02 min
